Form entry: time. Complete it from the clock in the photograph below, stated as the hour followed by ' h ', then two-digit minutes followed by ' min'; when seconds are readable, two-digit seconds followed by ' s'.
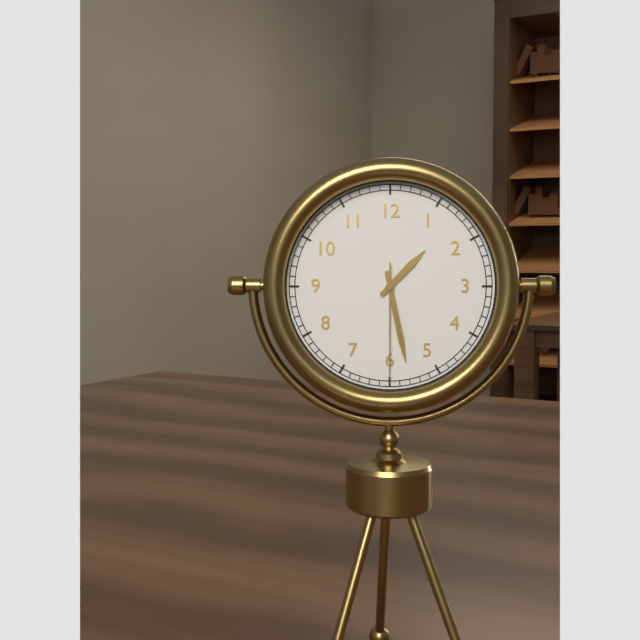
1 h 28 min 30 s
